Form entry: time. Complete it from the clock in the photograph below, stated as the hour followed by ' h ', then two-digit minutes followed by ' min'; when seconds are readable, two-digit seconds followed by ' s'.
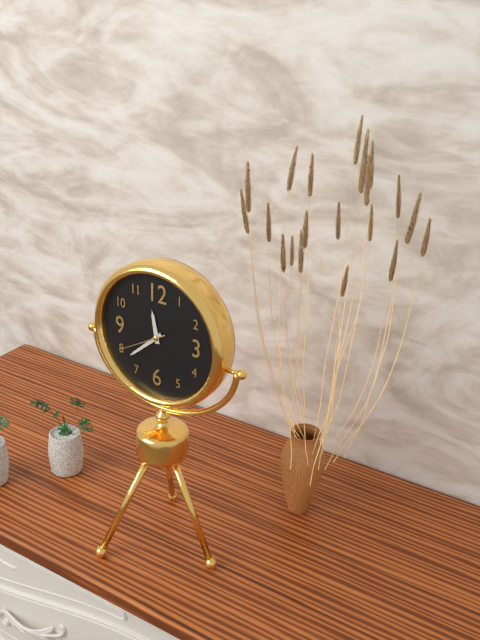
11 h 38 min
